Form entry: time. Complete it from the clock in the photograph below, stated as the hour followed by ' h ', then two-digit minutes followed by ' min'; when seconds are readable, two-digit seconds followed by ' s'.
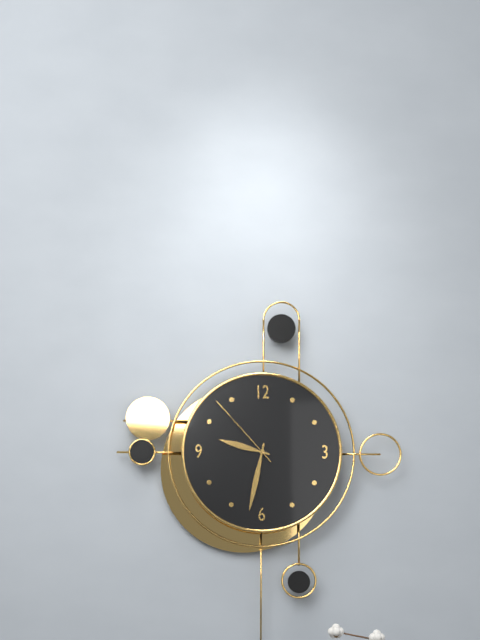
9 h 32 min 53 s
